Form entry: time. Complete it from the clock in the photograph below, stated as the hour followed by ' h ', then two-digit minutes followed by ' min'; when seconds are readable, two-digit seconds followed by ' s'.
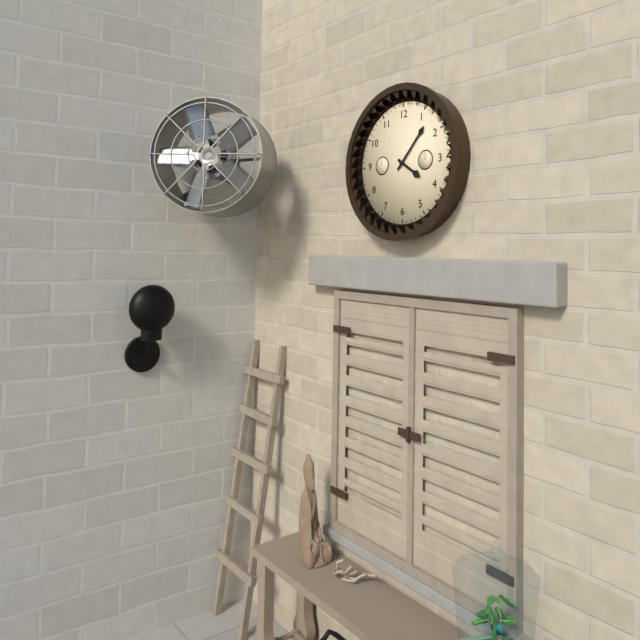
4 h 07 min
